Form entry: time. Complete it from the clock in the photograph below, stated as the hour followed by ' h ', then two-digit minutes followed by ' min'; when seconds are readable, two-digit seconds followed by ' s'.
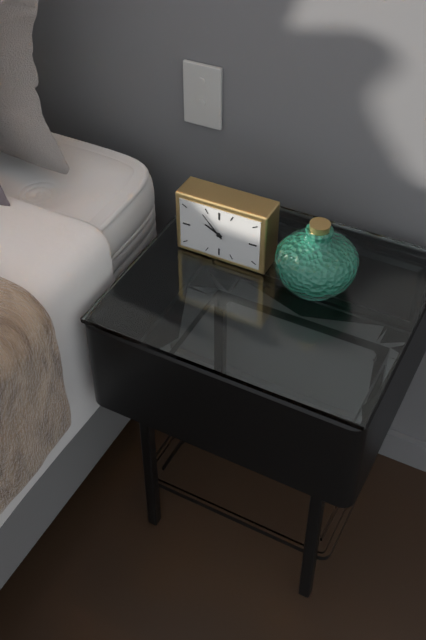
9 h 53 min
